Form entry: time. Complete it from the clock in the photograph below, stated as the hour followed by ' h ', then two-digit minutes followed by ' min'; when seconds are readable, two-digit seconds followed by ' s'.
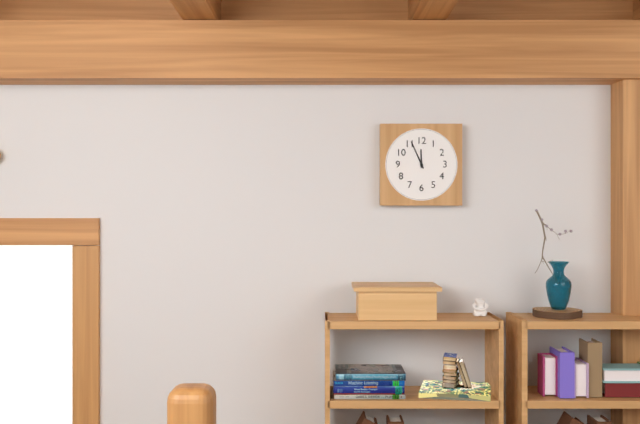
11 h 56 min
